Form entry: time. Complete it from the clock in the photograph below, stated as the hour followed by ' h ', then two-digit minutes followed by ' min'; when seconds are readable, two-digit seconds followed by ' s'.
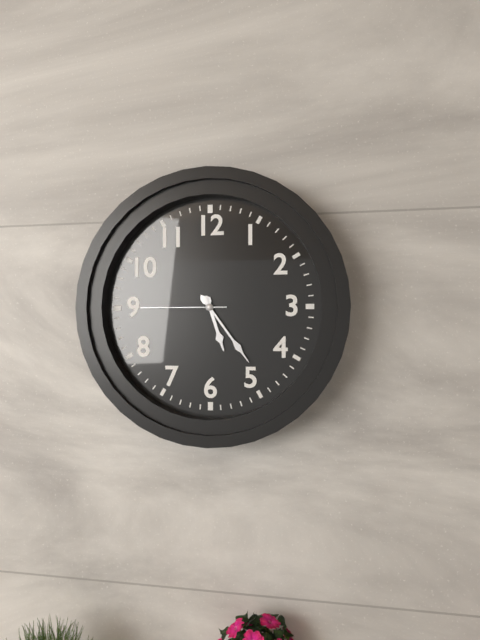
5 h 24 min 45 s
